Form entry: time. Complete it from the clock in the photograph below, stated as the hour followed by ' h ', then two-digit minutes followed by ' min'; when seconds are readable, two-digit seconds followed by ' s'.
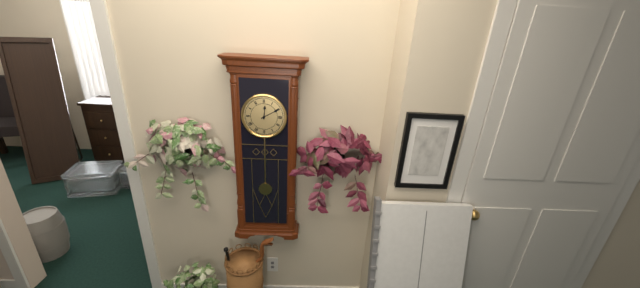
12 h 10 min
